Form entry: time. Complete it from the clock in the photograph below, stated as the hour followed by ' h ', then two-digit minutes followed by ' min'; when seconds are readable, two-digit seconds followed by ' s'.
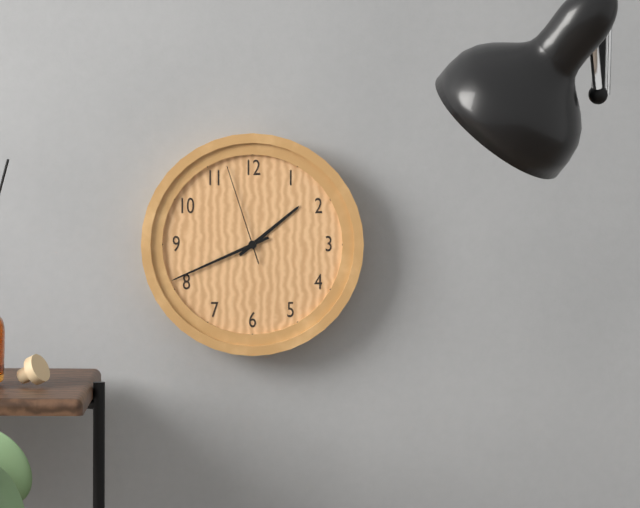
1 h 41 min 57 s
